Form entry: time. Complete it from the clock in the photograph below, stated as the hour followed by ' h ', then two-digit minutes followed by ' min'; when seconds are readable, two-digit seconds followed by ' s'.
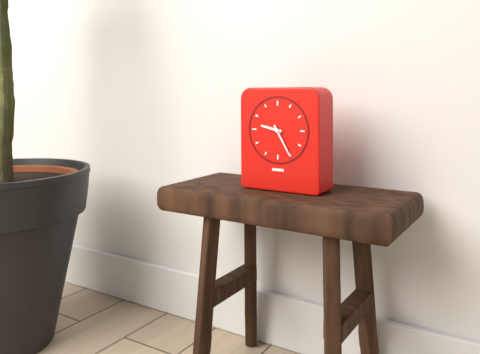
9 h 25 min
